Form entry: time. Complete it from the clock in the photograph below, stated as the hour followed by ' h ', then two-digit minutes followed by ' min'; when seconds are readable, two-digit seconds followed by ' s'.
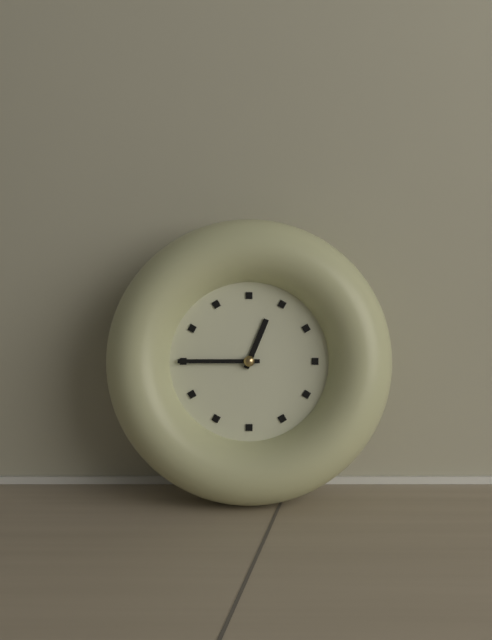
12 h 45 min
